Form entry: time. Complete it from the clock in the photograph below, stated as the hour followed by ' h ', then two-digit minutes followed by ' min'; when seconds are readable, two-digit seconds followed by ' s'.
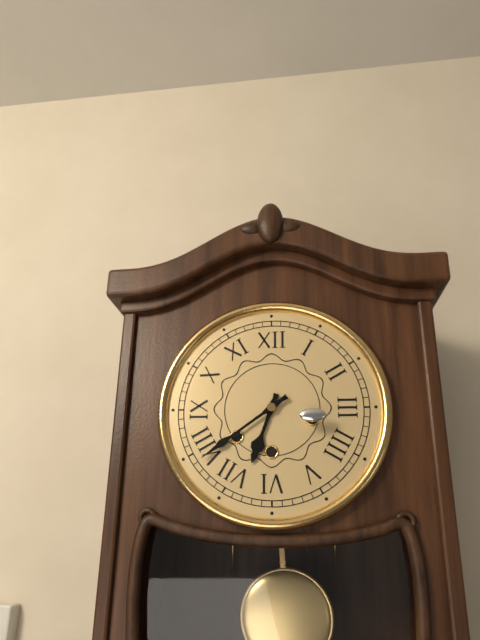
6 h 39 min
